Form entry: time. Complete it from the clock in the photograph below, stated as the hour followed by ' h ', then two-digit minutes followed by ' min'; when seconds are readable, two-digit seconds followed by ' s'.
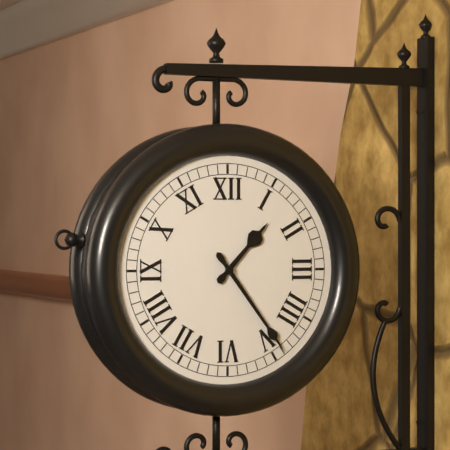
1 h 24 min
